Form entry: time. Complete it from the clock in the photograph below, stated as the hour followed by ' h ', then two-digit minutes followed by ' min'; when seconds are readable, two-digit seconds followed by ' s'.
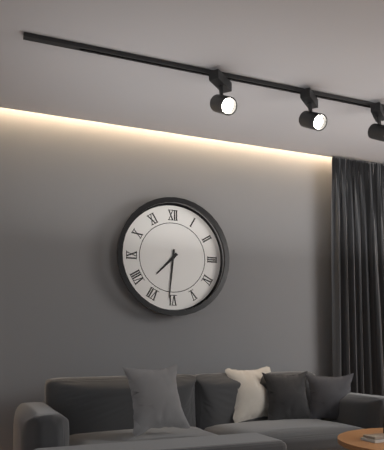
7 h 31 min
